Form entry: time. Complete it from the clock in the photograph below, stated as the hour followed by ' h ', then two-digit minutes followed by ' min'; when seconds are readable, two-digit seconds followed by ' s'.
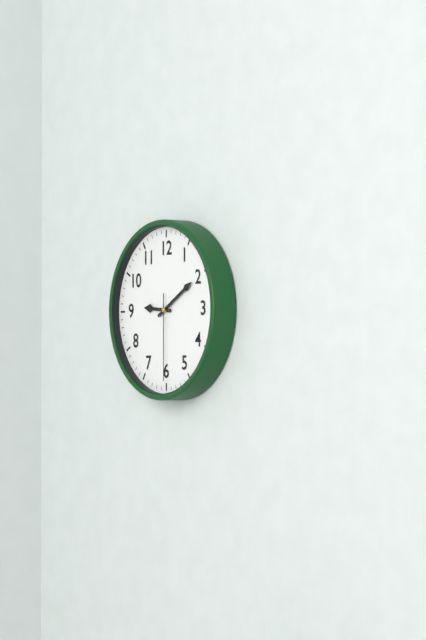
9 h 10 min 30 s
